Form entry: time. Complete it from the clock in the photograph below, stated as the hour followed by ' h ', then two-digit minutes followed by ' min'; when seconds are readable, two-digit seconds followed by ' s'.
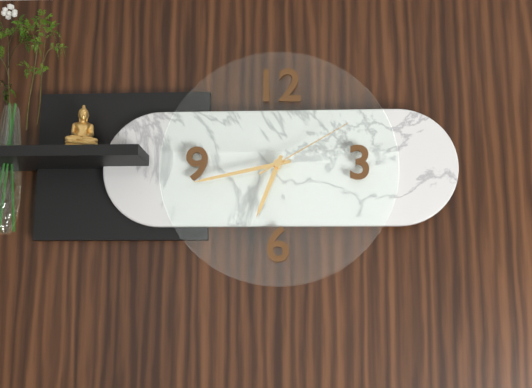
6 h 43 min 10 s
